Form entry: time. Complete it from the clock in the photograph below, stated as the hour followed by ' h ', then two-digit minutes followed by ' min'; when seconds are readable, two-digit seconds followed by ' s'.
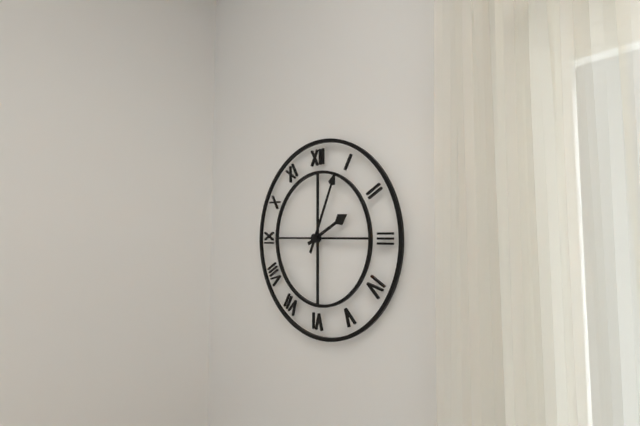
2 h 04 min
